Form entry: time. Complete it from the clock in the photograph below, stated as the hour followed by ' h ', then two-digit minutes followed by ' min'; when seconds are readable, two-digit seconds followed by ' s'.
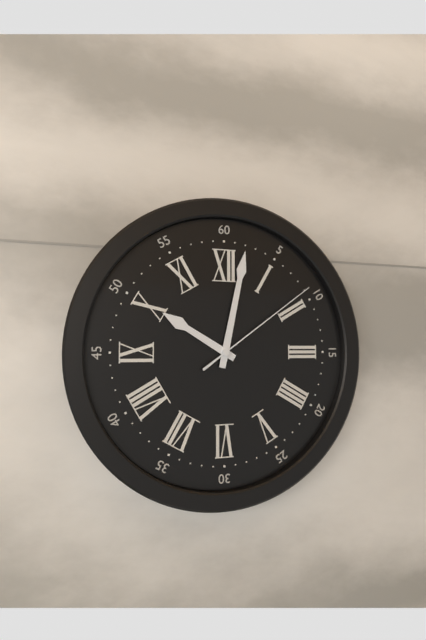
10 h 02 min 09 s
